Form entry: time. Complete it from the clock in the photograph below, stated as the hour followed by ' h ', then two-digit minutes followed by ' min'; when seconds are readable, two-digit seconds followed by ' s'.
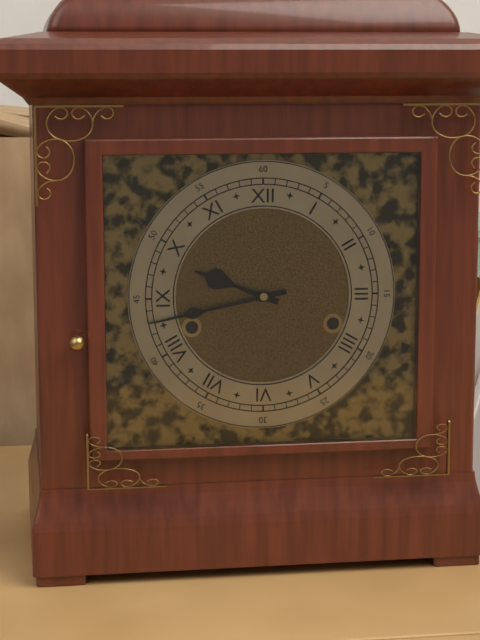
9 h 43 min
